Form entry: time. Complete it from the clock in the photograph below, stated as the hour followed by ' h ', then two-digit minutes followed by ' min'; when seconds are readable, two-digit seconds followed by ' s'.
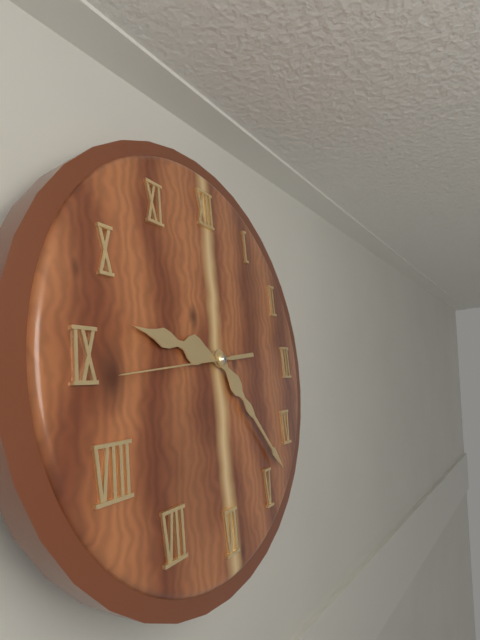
9 h 23 min 44 s
